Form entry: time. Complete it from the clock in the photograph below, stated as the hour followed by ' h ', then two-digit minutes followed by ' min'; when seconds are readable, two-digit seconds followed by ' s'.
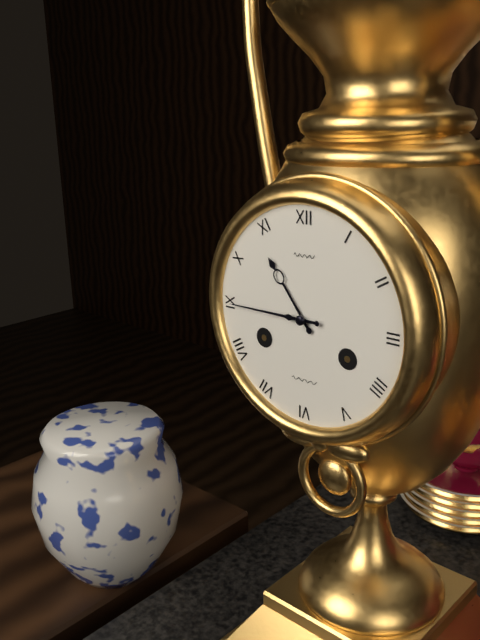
10 h 45 min
